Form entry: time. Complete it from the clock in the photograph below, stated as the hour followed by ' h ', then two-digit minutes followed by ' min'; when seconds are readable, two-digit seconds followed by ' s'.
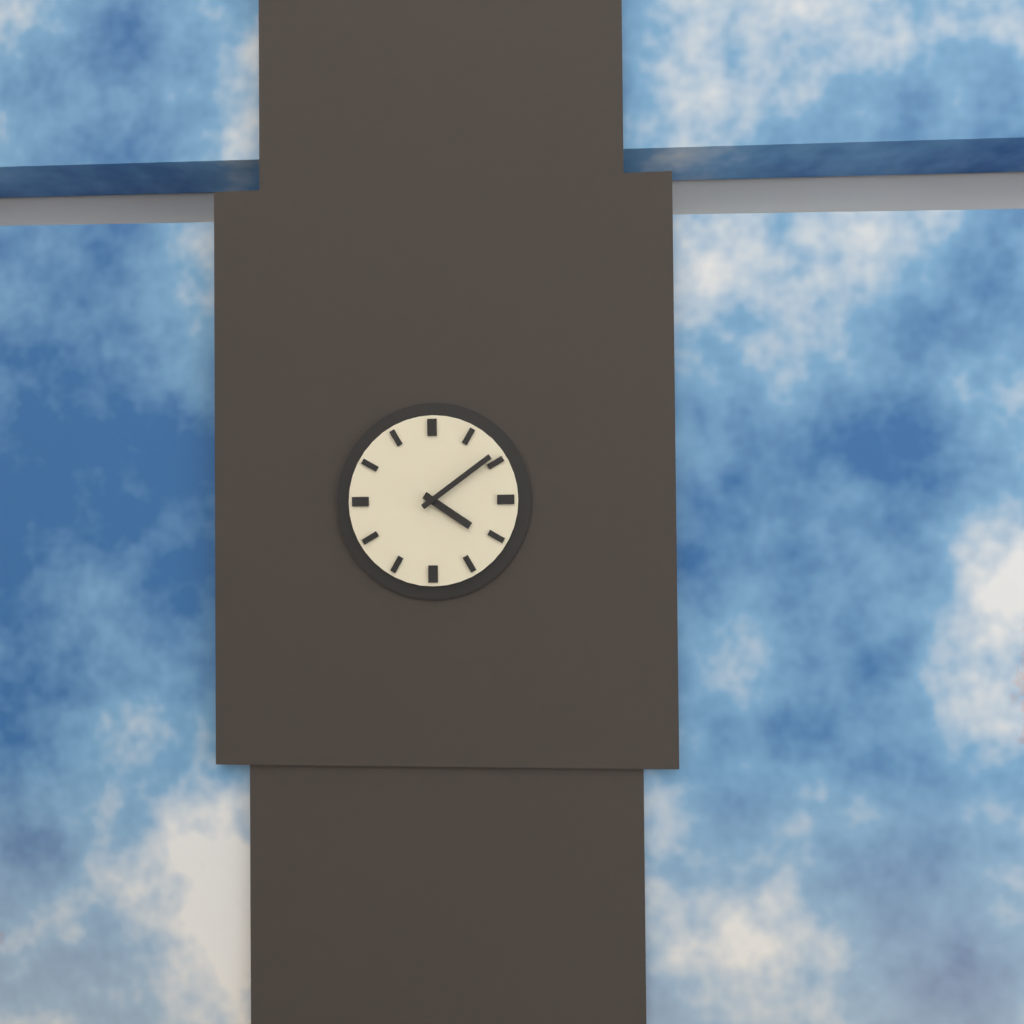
4 h 09 min
